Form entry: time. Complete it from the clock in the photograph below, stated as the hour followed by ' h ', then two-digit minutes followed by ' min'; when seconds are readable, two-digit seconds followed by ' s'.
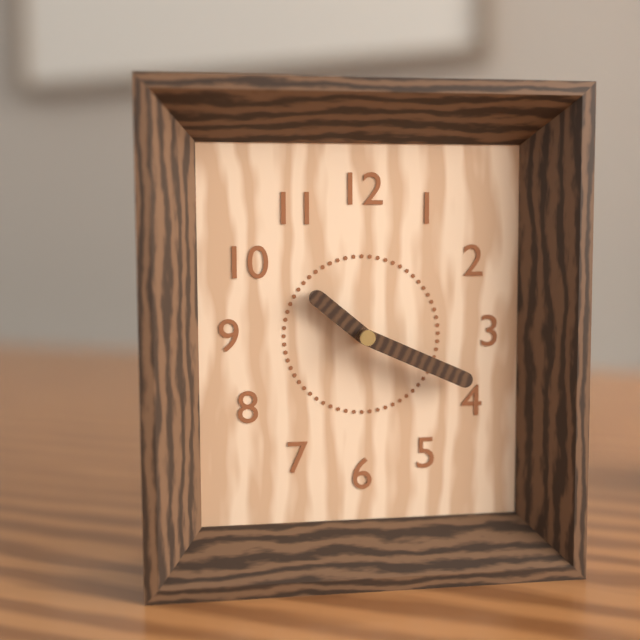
10 h 19 min
